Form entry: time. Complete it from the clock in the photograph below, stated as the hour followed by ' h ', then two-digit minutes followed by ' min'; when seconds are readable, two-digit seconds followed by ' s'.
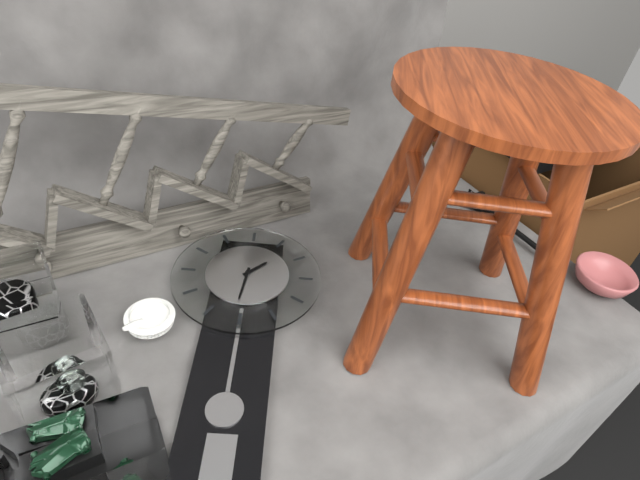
1 h 31 min
